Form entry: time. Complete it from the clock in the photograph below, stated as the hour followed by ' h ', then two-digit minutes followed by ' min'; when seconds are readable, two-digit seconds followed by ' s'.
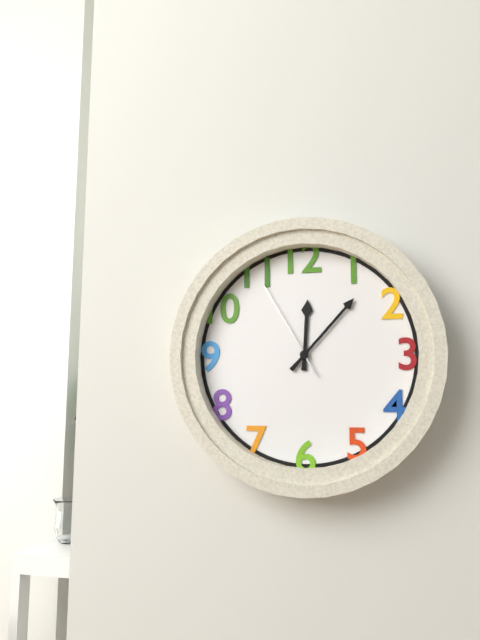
12 h 07 min 55 s
